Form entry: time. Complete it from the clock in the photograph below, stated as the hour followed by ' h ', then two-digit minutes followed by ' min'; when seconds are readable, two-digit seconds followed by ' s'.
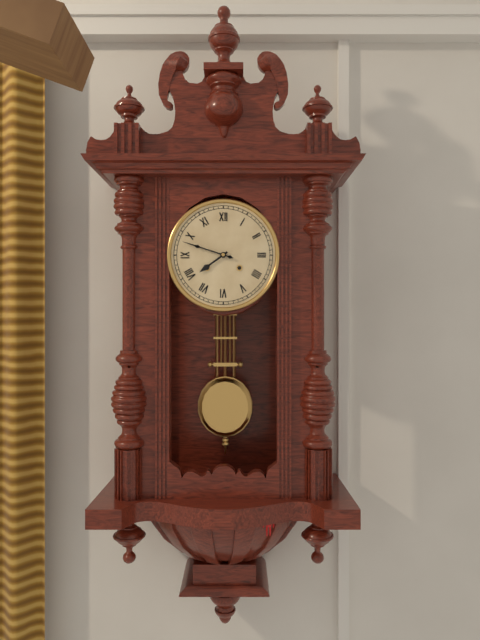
7 h 48 min
